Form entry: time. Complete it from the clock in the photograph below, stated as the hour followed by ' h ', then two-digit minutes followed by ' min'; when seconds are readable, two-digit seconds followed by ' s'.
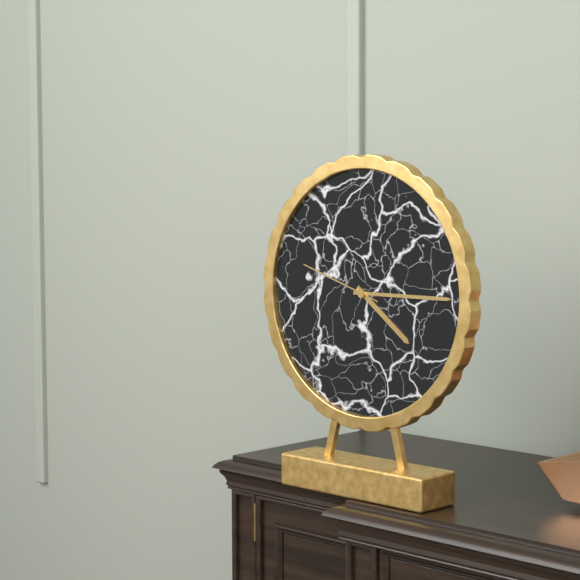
4 h 15 min 48 s
